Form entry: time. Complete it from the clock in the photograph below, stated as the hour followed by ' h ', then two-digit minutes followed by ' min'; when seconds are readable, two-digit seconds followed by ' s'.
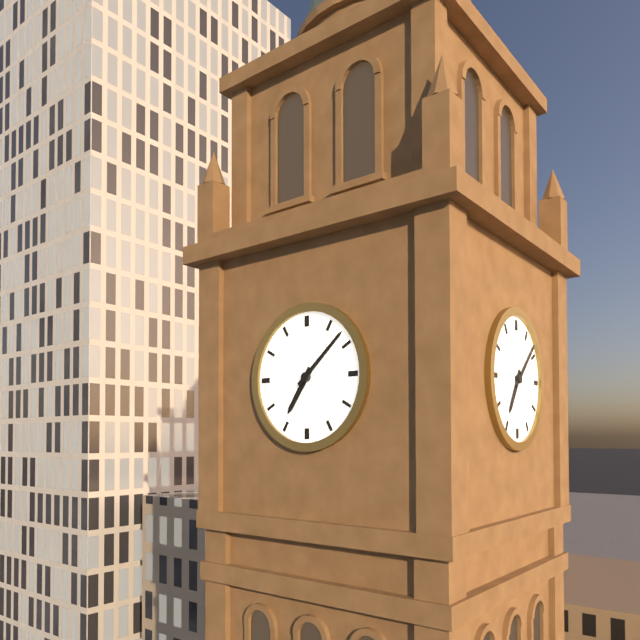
7 h 08 min
